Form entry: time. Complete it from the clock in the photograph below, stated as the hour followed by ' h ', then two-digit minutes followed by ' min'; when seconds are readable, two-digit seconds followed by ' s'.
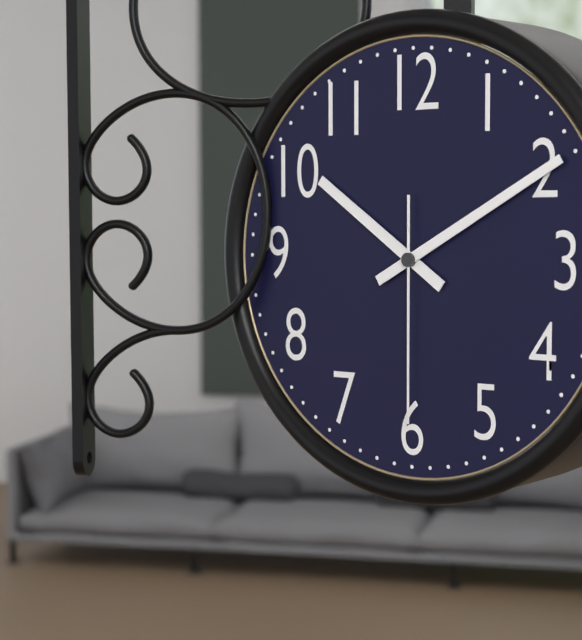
10 h 10 min 30 s
